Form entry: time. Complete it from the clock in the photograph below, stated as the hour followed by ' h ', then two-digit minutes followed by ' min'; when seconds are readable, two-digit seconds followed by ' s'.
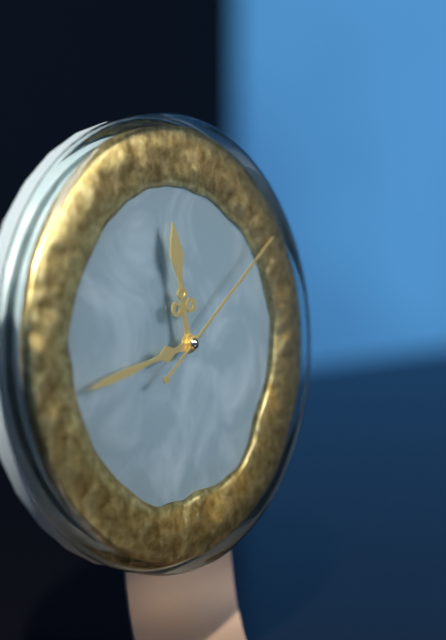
11 h 43 min 09 s
